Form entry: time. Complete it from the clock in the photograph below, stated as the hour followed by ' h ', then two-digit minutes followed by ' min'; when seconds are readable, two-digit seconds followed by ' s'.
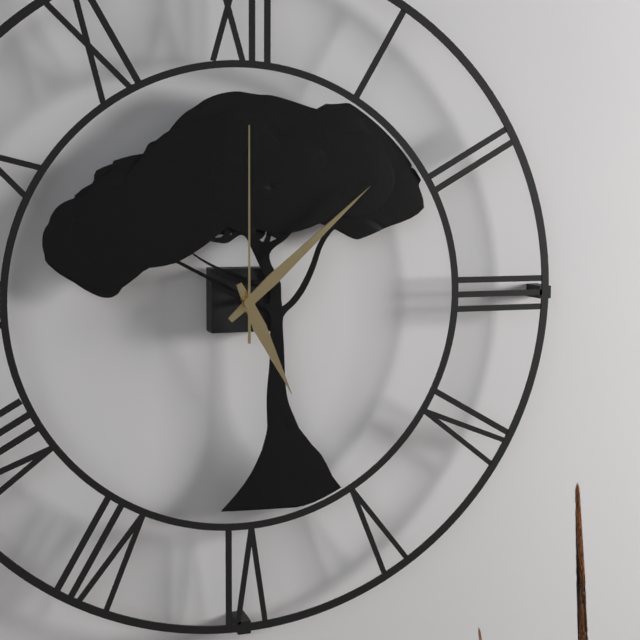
5 h 08 min 00 s
